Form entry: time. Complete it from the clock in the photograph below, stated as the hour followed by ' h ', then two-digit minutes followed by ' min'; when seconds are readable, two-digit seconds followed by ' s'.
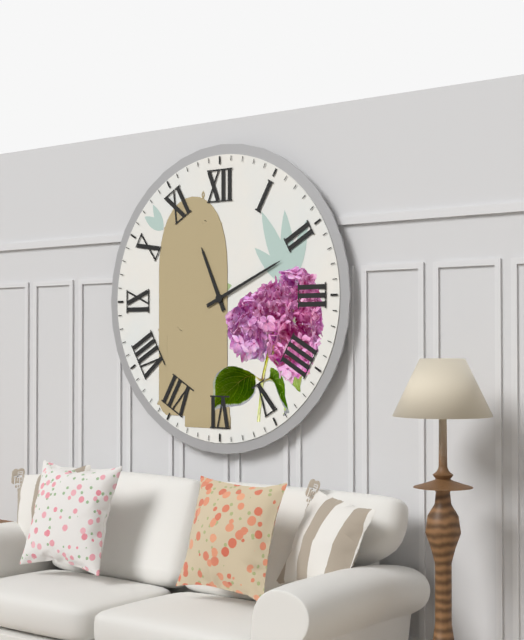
11 h 11 min
